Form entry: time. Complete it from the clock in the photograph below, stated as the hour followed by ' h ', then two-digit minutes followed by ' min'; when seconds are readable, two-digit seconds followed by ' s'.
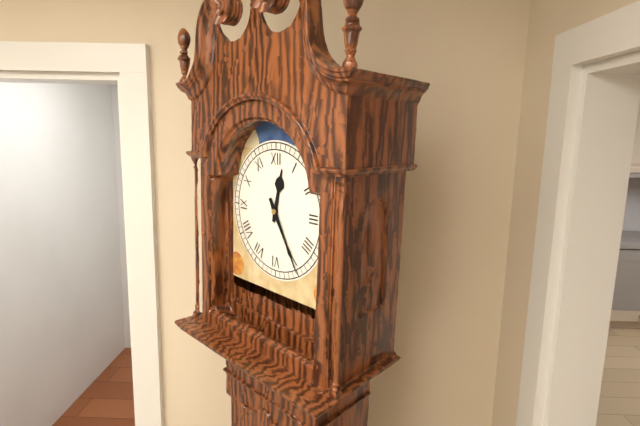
12 h 25 min
